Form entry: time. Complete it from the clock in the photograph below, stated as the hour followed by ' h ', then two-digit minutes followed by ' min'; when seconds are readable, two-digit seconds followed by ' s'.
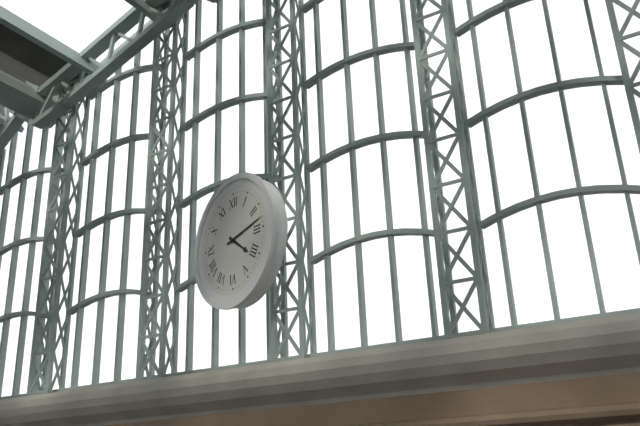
4 h 13 min
